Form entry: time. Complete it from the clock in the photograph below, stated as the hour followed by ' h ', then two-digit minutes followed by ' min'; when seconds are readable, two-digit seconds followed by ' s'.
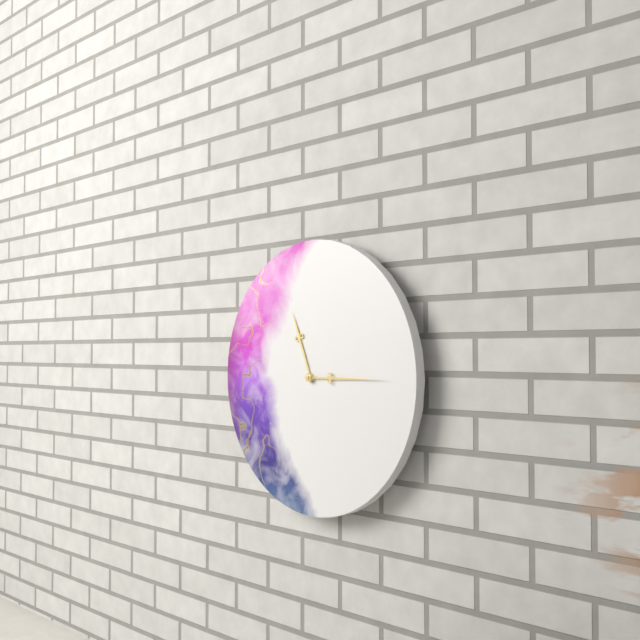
11 h 15 min
